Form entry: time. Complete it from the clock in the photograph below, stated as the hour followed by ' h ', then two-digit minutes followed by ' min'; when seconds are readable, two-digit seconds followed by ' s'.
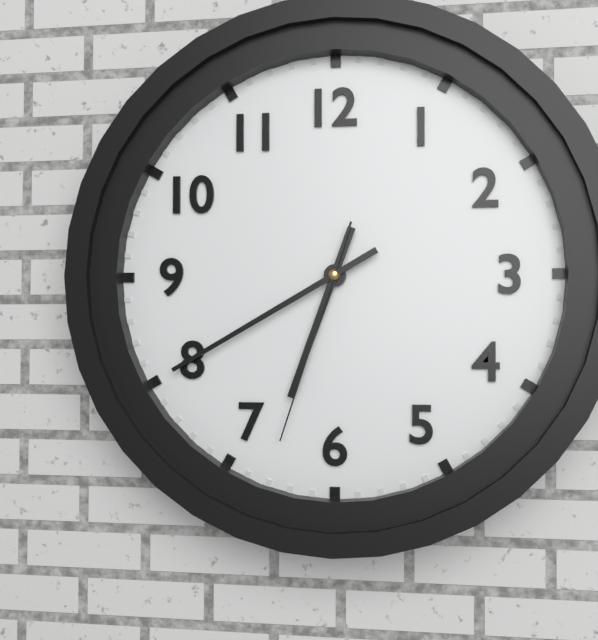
6 h 40 min 33 s
